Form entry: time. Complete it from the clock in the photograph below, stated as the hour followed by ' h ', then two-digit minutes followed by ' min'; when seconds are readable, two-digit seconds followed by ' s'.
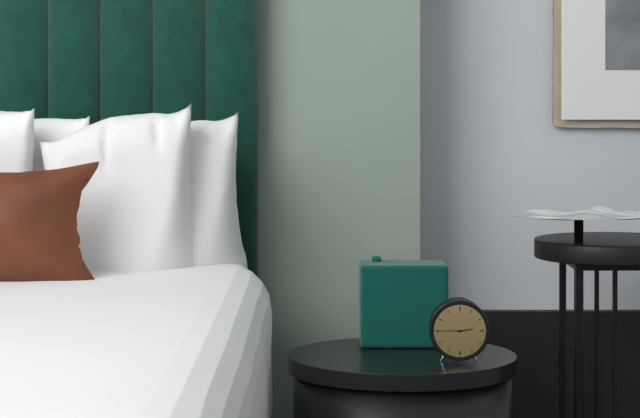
2 h 45 min
